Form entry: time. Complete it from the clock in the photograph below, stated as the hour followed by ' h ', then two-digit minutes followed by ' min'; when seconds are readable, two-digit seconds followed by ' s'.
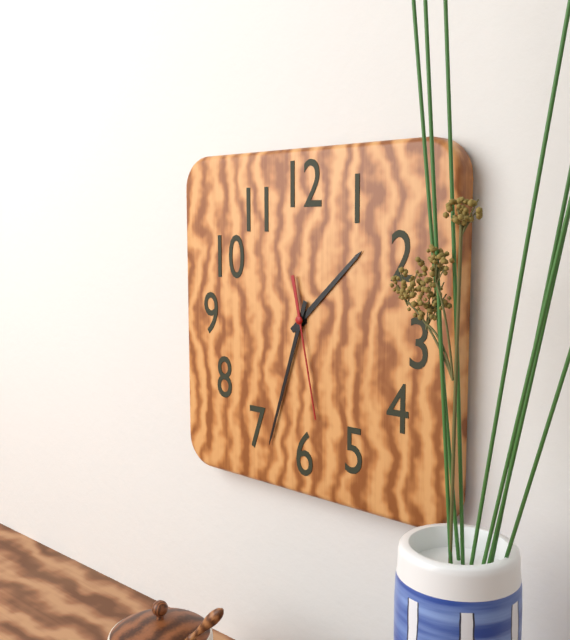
1 h 33 min 28 s
